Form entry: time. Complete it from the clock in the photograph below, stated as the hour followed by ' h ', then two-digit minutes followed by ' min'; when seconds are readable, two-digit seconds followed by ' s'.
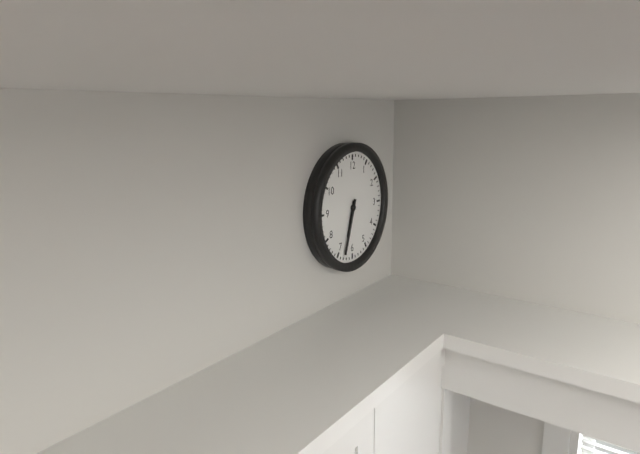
6 h 33 min
